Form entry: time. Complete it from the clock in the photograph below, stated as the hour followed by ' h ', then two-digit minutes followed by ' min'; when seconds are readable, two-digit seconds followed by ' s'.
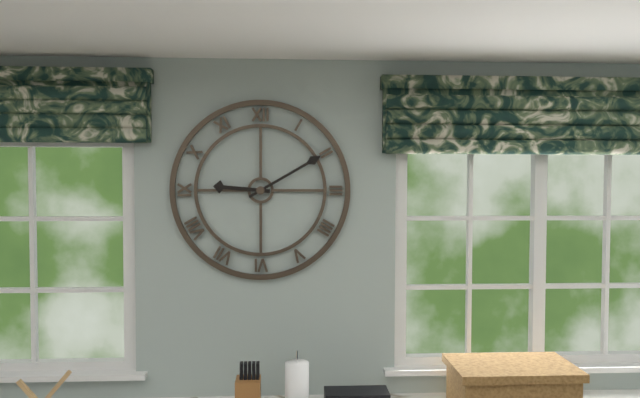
9 h 10 min
